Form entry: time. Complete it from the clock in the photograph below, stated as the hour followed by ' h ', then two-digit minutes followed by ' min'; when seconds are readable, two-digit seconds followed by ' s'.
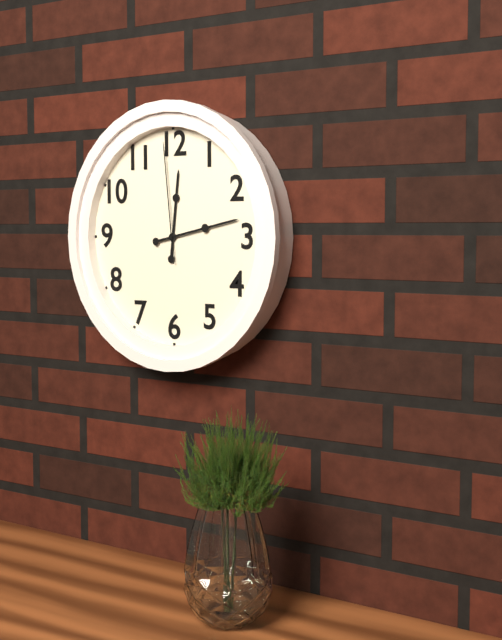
12 h 13 min 59 s
